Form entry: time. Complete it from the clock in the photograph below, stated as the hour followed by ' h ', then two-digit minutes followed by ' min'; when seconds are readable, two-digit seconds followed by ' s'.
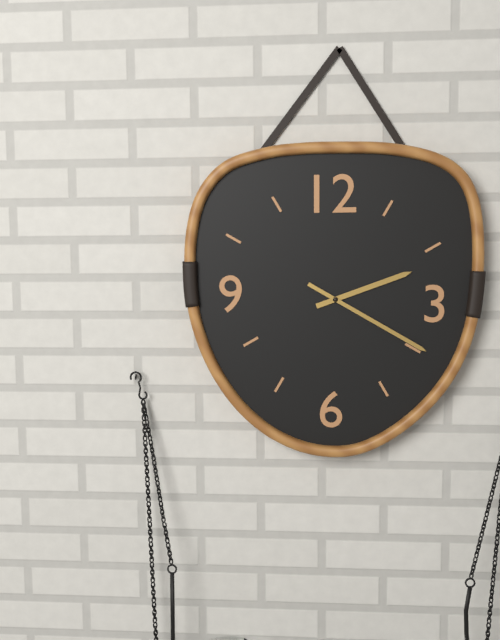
2 h 20 min
